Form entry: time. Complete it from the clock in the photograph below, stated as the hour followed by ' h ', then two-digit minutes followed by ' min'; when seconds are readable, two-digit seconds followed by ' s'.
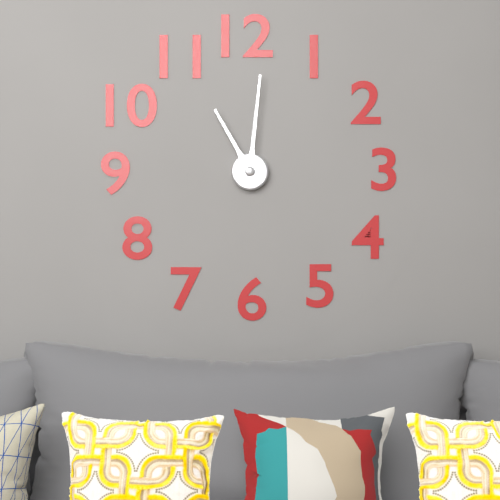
11 h 01 min
